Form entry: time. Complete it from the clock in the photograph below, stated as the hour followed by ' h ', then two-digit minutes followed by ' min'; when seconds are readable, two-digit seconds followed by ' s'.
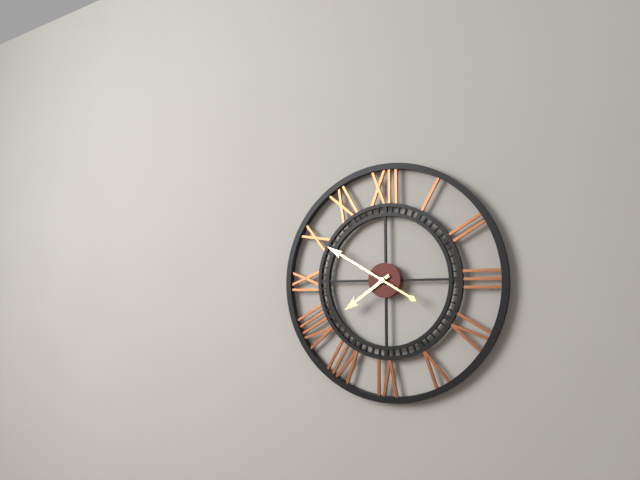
7 h 50 min
